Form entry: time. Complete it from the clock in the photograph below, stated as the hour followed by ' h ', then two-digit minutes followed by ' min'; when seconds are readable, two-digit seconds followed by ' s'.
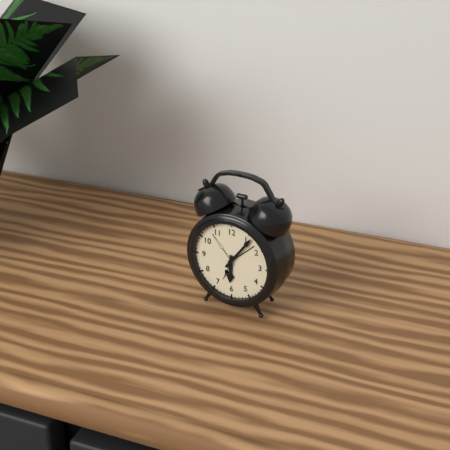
6 h 06 min
